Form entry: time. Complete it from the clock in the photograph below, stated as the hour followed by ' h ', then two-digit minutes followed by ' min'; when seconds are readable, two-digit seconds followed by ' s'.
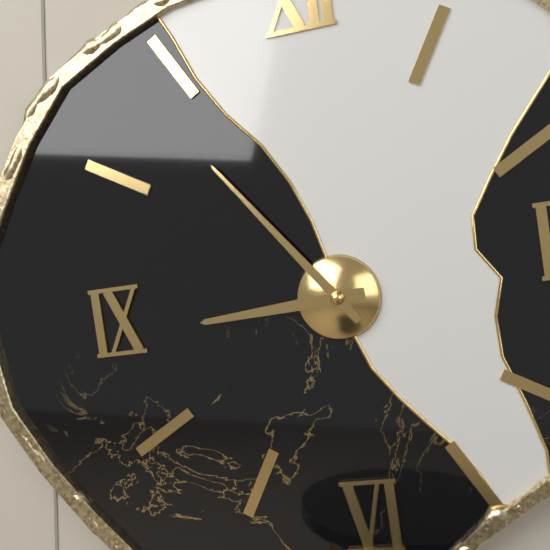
8 h 54 min
